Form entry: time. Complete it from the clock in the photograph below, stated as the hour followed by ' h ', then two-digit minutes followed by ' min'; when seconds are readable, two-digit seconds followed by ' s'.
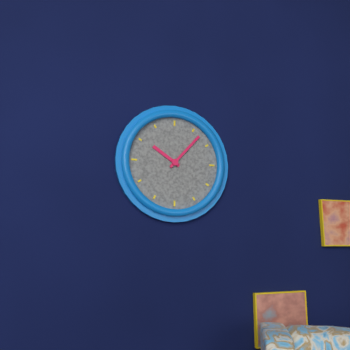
10 h 07 min
